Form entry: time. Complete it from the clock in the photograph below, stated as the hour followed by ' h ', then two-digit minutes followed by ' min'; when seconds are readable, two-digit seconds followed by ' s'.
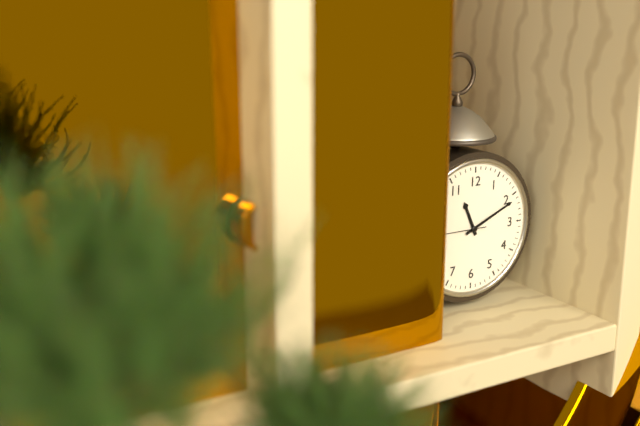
11 h 11 min
